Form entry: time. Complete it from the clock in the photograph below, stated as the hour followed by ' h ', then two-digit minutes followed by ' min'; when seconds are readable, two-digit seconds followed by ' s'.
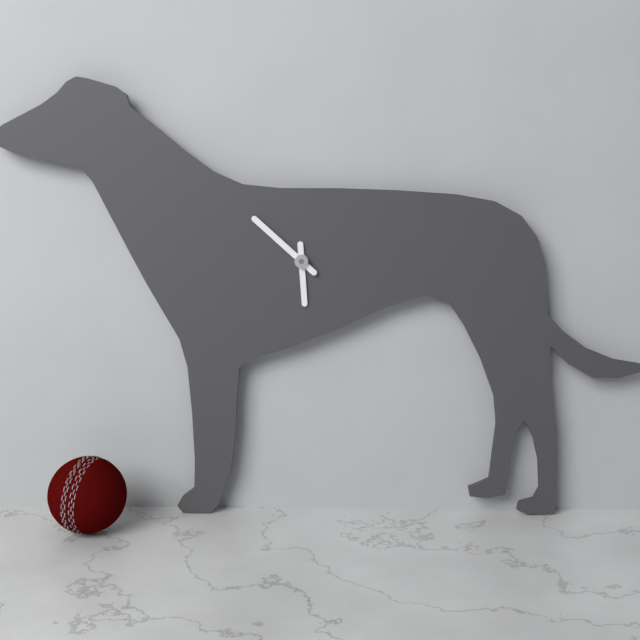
5 h 52 min
